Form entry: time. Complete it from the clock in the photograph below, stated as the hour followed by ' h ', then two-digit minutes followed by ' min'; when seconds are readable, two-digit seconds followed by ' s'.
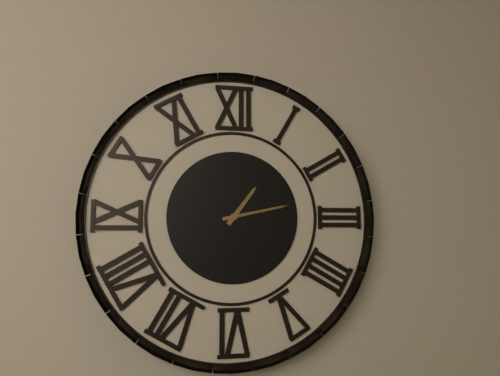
1 h 13 min
